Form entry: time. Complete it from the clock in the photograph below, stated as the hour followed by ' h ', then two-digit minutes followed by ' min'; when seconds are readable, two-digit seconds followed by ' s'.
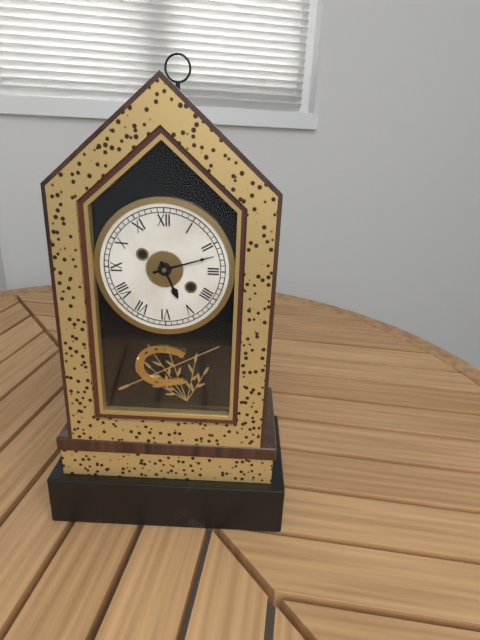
5 h 12 min
